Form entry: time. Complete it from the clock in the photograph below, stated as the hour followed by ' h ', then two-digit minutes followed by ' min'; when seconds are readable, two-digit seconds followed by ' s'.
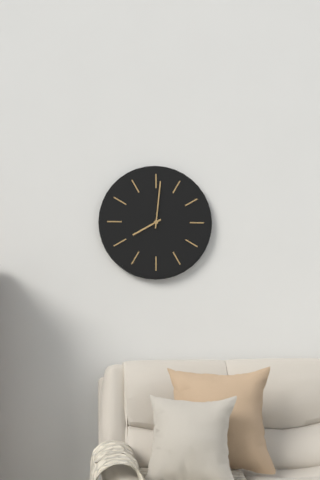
8 h 01 min
